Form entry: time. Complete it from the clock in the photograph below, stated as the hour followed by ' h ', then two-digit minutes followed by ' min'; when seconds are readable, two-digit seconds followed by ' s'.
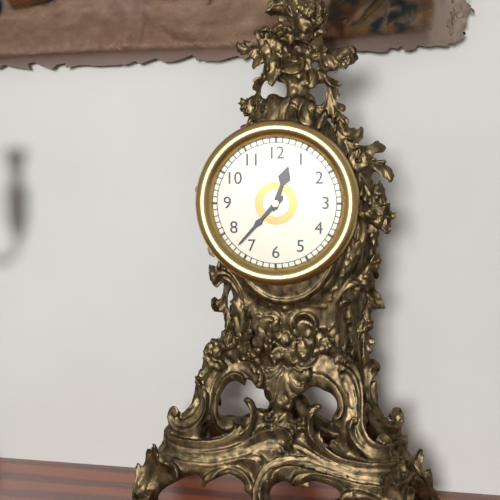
12 h 37 min
